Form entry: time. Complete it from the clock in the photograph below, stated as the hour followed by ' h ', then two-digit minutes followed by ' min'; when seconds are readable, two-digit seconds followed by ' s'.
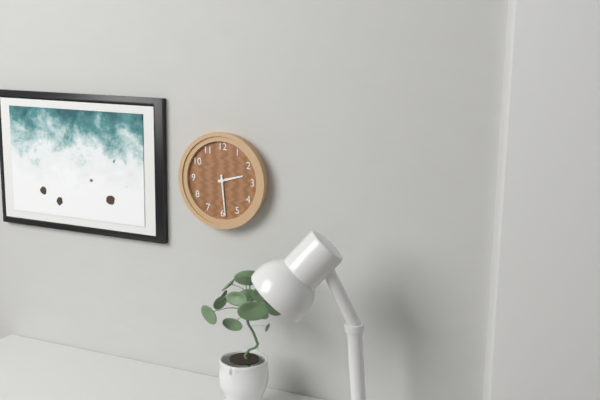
2 h 29 min
